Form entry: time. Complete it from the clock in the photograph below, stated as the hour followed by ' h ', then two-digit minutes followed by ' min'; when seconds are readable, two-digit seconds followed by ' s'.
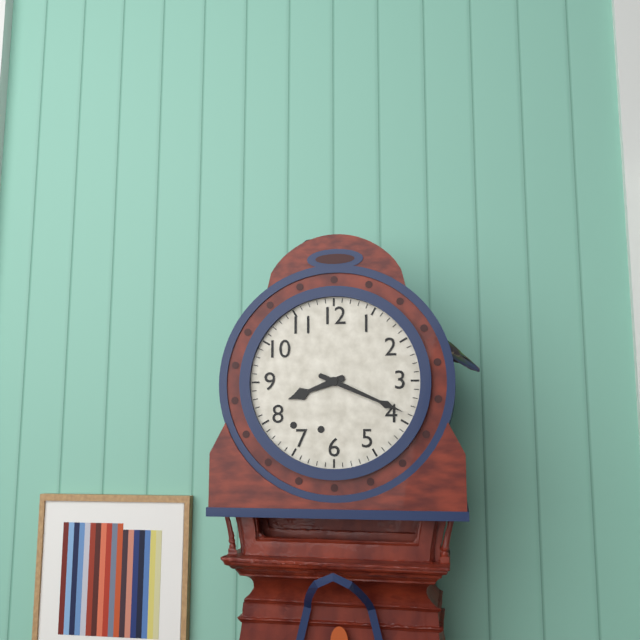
8 h 19 min
